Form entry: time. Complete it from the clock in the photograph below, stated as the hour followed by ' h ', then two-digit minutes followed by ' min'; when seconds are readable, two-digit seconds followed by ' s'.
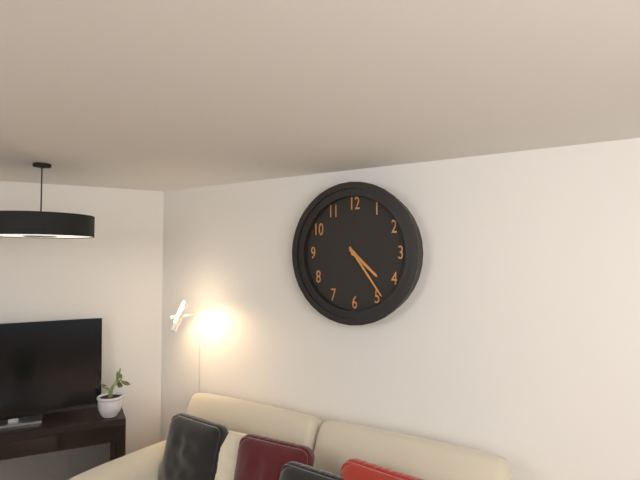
4 h 24 min
